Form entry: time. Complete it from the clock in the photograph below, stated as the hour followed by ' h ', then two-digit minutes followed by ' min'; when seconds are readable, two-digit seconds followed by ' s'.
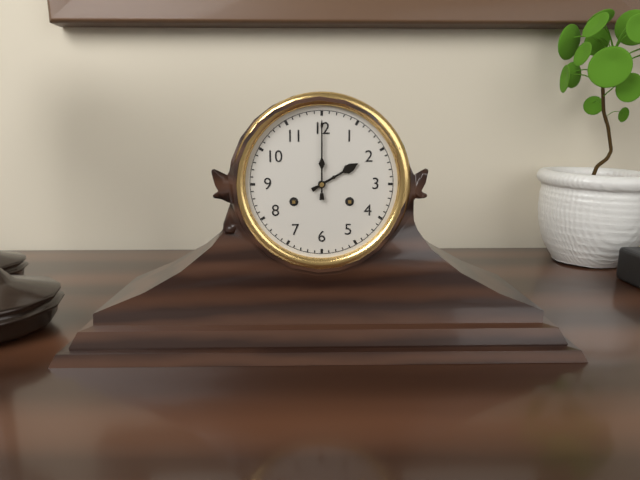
2 h 00 min
